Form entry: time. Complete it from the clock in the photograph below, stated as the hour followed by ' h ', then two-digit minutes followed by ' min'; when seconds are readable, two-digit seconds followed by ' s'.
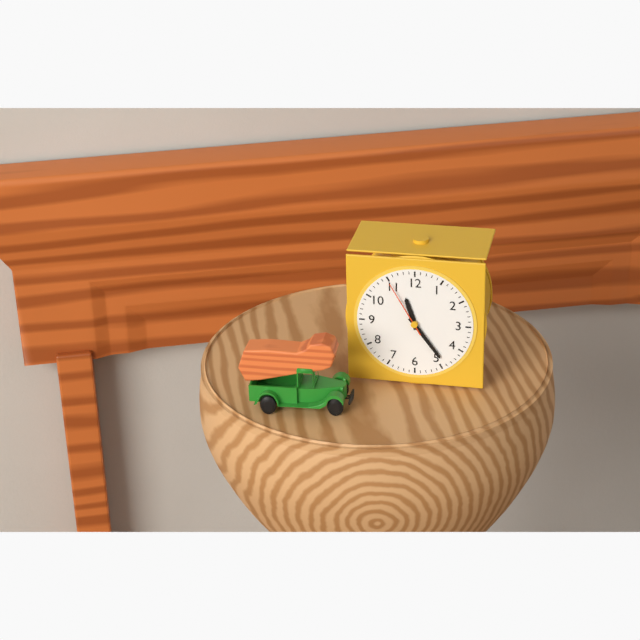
11 h 24 min 55 s
